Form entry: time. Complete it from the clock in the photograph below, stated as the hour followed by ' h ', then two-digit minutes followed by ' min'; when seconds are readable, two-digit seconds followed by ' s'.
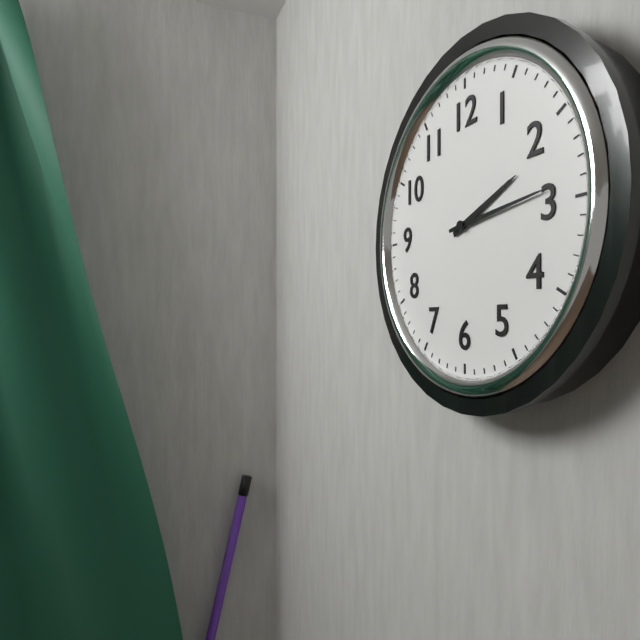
2 h 14 min
